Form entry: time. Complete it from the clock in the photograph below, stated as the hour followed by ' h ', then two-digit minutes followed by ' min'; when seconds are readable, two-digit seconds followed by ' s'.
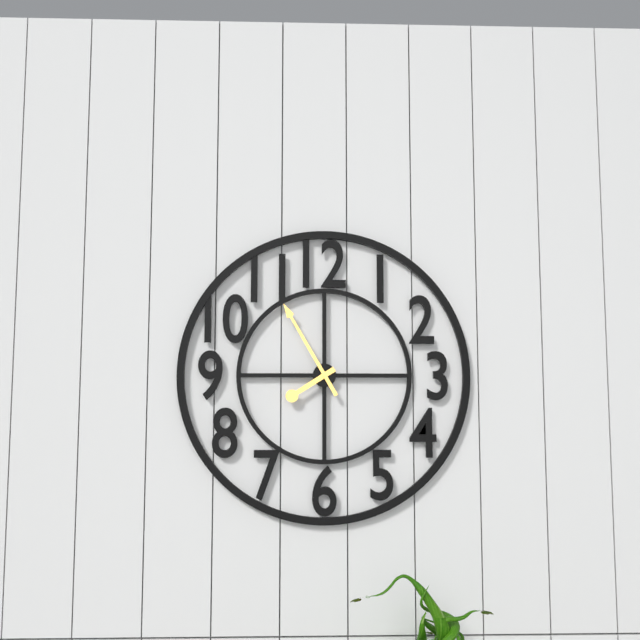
7 h 55 min
